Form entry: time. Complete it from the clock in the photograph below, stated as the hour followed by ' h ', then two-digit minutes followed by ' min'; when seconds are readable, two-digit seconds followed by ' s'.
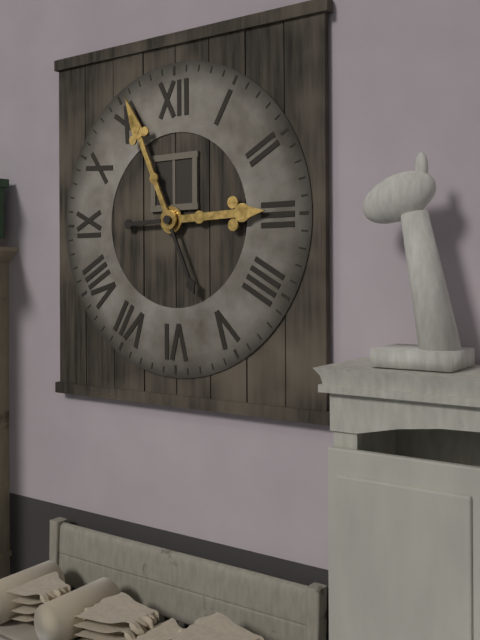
2 h 56 min
